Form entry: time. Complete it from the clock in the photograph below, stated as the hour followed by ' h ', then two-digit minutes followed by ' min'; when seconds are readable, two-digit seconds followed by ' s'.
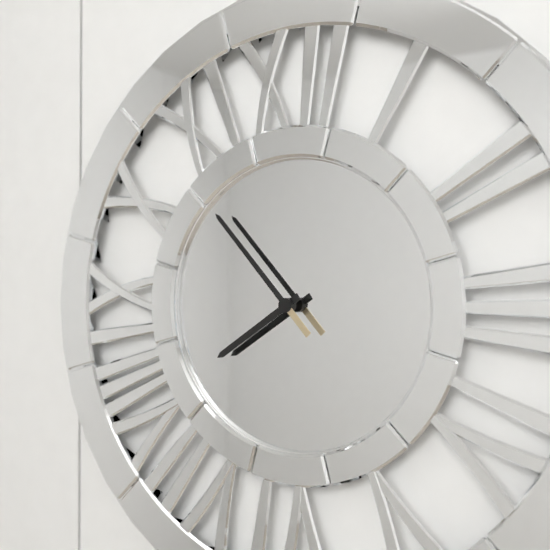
7 h 53 min
